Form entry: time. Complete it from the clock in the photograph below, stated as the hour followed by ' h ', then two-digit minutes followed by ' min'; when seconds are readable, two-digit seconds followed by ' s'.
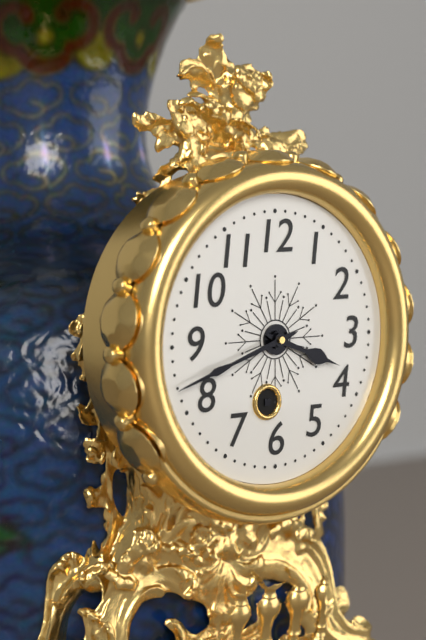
3 h 42 min
